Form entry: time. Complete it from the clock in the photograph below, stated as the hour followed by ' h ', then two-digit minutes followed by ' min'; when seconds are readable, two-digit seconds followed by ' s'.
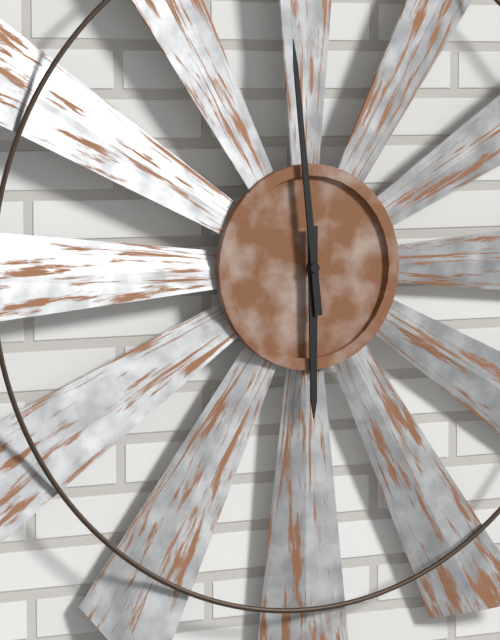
5 h 59 min
